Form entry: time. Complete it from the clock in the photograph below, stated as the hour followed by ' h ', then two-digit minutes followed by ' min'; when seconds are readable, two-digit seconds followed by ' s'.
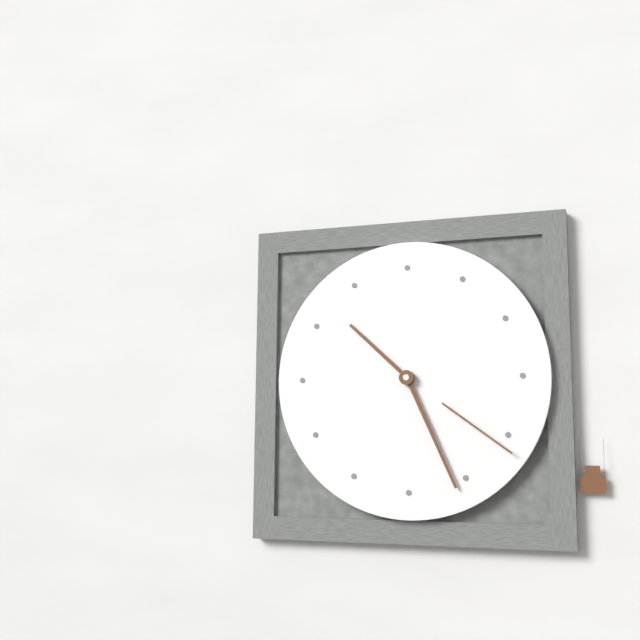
10 h 26 min 21 s
